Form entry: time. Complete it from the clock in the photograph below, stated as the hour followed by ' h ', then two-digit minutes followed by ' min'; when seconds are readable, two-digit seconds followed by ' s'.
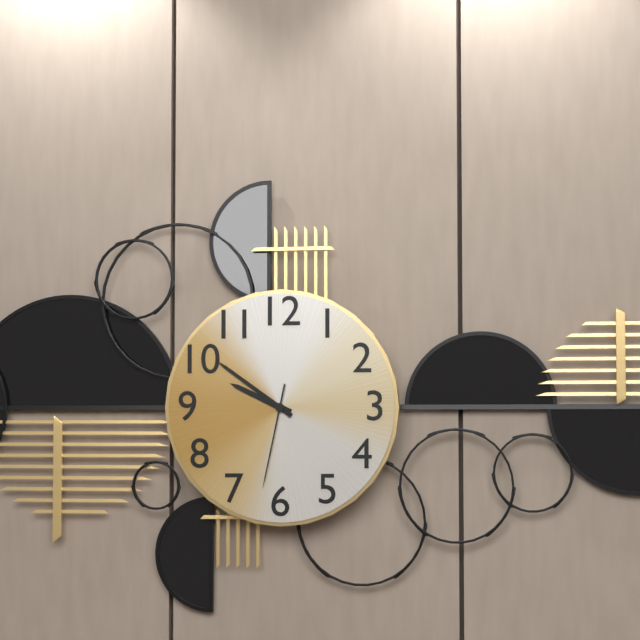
9 h 51 min 32 s
